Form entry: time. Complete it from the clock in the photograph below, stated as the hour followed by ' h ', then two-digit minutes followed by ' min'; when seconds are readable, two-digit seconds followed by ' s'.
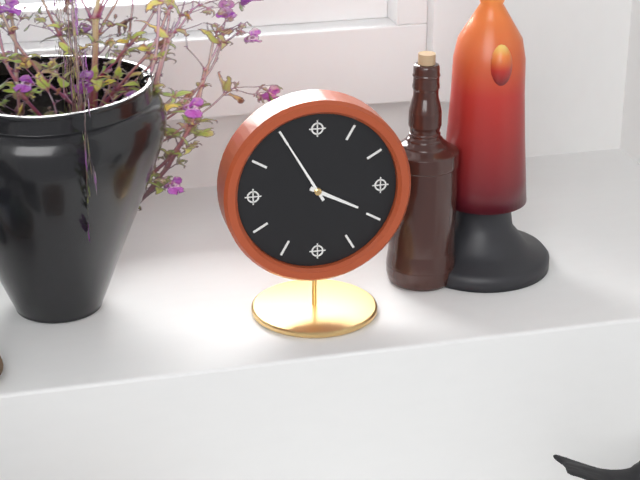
3 h 55 min
